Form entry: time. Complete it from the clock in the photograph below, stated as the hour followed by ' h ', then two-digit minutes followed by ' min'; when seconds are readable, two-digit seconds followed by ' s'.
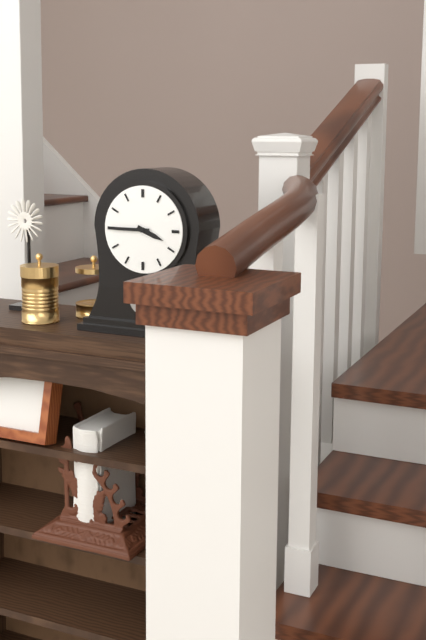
3 h 45 min
